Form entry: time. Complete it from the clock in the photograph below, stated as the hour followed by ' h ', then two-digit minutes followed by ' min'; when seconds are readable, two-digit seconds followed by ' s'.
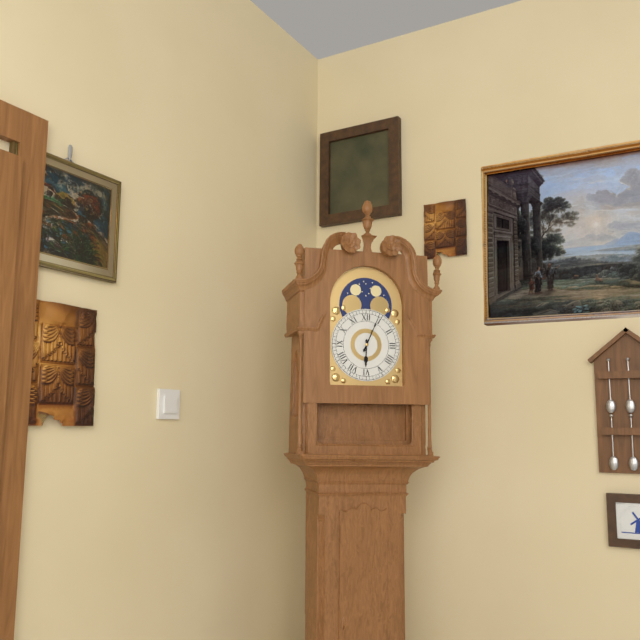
6 h 04 min
